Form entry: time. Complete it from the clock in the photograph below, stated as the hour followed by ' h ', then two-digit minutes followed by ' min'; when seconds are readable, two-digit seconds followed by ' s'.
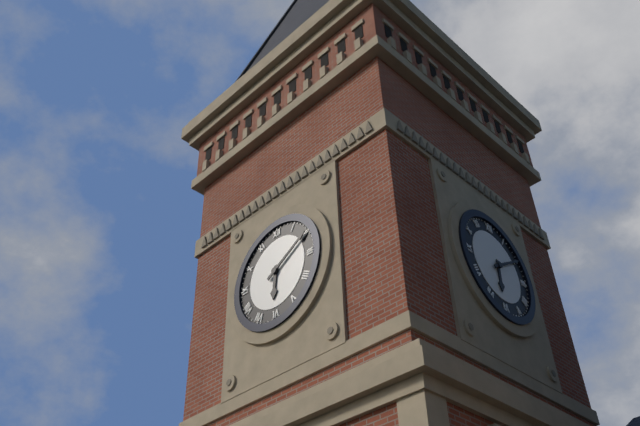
6 h 10 min
